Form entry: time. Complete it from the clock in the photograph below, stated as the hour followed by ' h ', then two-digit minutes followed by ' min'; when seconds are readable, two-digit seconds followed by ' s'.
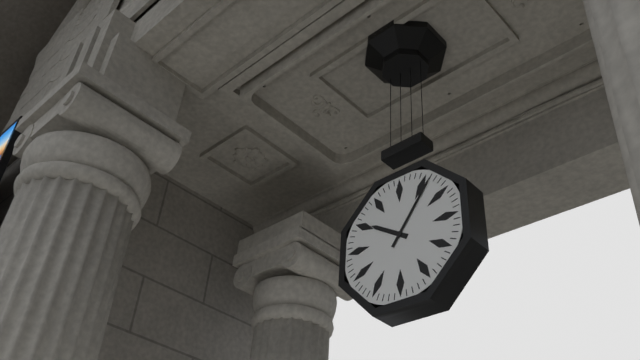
10 h 06 min
